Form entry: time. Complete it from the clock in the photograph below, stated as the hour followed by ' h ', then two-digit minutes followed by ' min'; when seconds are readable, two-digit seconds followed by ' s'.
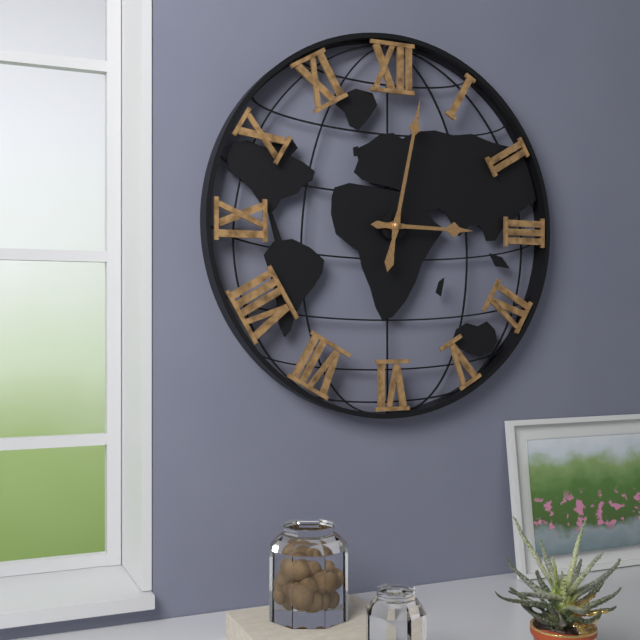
3 h 02 min
